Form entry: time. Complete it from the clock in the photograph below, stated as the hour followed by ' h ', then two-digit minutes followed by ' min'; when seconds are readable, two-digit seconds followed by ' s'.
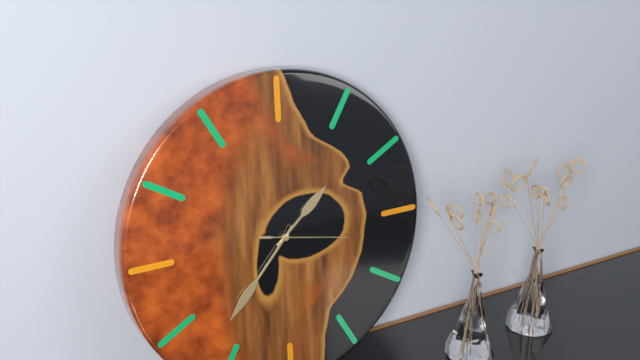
1 h 37 min 17 s
